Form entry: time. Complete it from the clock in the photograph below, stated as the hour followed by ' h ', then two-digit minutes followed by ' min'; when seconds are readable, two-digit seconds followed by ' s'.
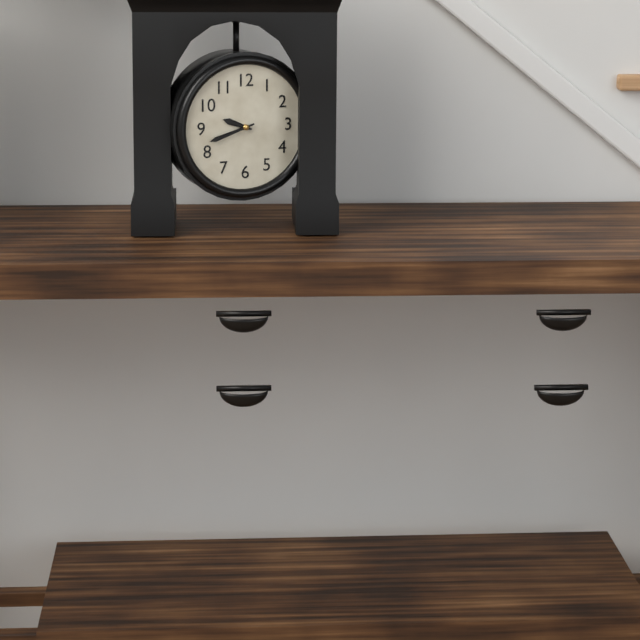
9 h 42 min
